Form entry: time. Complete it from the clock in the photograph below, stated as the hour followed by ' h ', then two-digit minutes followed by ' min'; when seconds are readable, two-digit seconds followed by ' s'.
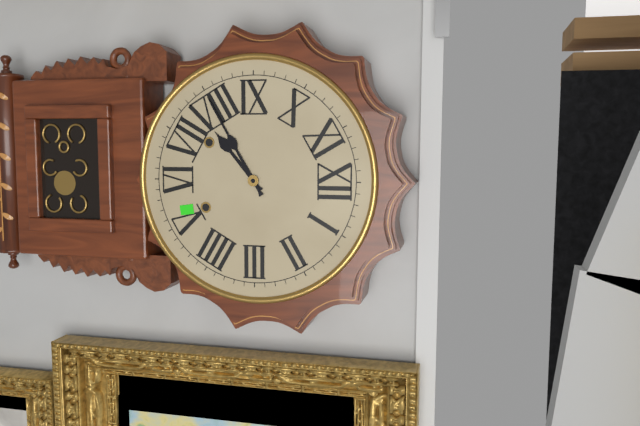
7 h 40 min
